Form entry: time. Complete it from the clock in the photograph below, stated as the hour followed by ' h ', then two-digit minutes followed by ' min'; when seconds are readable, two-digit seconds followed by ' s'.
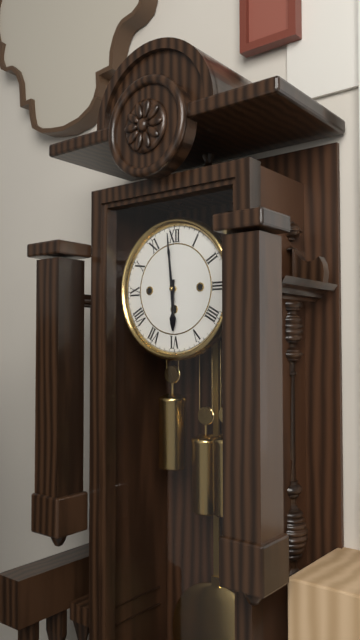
5 h 59 min
